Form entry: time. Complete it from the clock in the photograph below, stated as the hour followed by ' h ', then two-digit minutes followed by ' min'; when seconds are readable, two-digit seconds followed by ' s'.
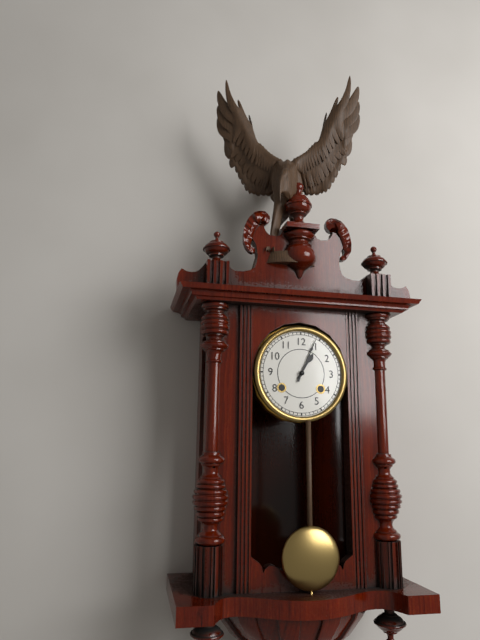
1 h 04 min
